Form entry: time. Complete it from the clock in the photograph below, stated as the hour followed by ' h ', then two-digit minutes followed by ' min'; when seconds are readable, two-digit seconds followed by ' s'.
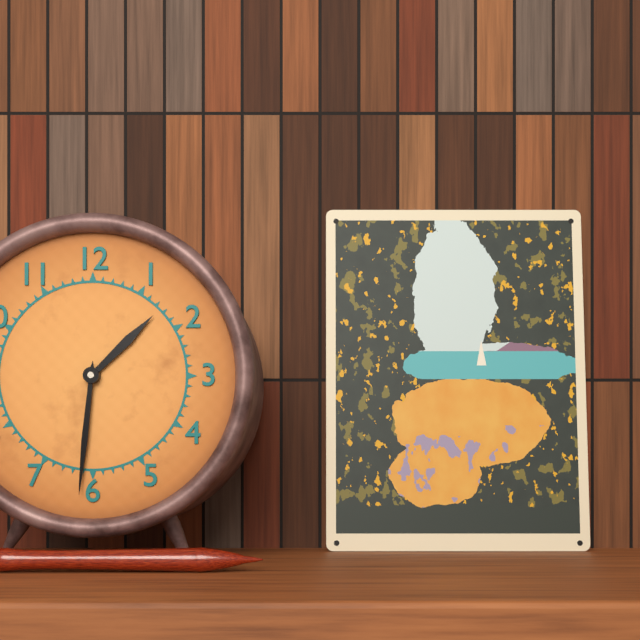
1 h 31 min
